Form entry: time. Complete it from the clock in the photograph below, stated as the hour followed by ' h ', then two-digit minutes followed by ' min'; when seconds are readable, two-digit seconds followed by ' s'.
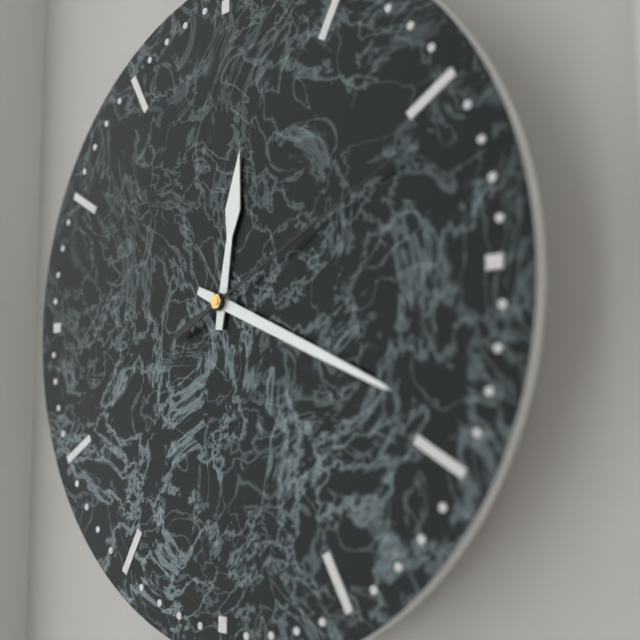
12 h 19 min 11 s
